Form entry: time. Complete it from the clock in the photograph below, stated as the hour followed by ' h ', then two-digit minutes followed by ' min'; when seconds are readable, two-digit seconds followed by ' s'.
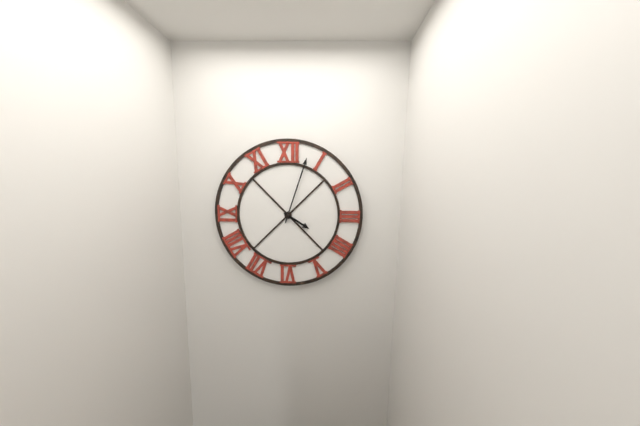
4 h 03 min
